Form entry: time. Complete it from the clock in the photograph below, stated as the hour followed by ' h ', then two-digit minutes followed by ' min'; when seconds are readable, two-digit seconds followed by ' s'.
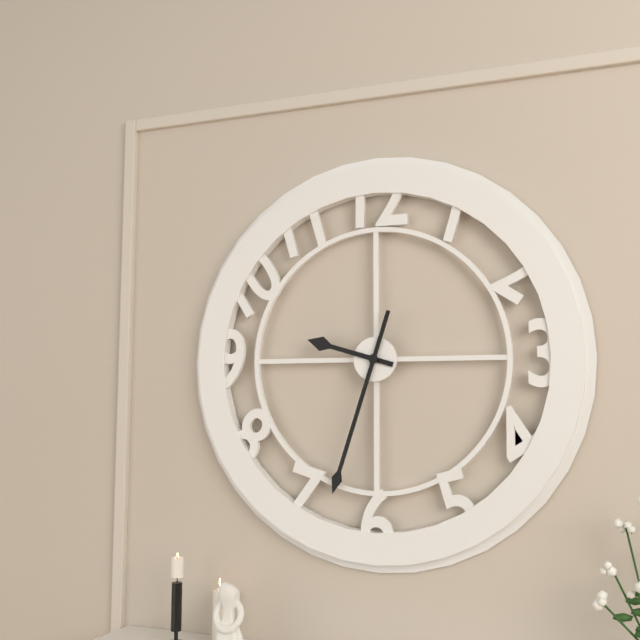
9 h 33 min
